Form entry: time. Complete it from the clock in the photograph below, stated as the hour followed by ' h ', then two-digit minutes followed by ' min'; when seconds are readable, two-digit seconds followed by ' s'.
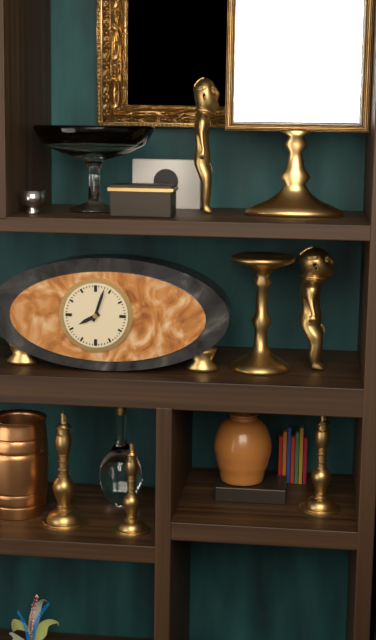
8 h 03 min
